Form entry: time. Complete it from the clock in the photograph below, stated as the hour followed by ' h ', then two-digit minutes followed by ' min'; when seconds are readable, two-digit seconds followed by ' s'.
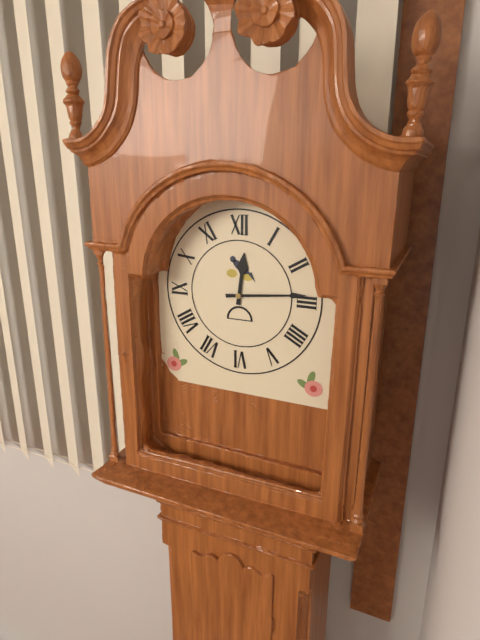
12 h 14 min
